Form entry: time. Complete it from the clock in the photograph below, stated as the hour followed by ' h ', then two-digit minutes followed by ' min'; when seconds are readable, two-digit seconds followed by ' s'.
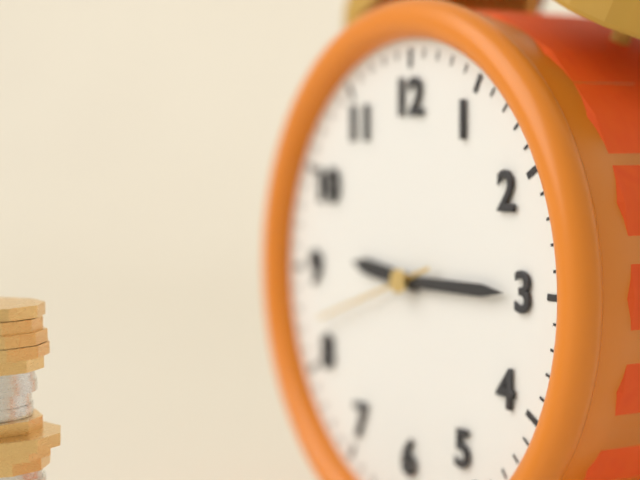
9 h 15 min 42 s
